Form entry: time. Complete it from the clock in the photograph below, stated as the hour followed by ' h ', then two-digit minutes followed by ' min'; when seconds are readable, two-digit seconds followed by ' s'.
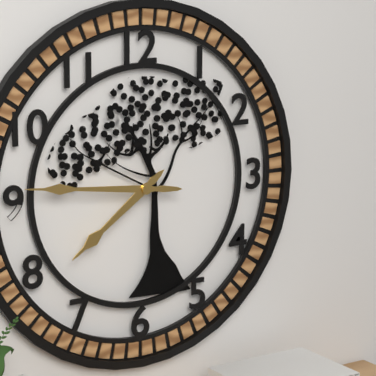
7 h 46 min
